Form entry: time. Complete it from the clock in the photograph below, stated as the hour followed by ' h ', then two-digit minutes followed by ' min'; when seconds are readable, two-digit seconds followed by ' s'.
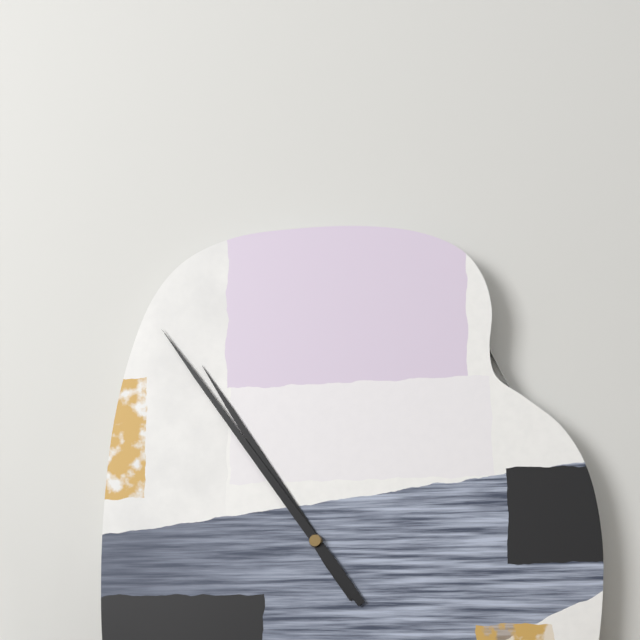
10 h 54 min
